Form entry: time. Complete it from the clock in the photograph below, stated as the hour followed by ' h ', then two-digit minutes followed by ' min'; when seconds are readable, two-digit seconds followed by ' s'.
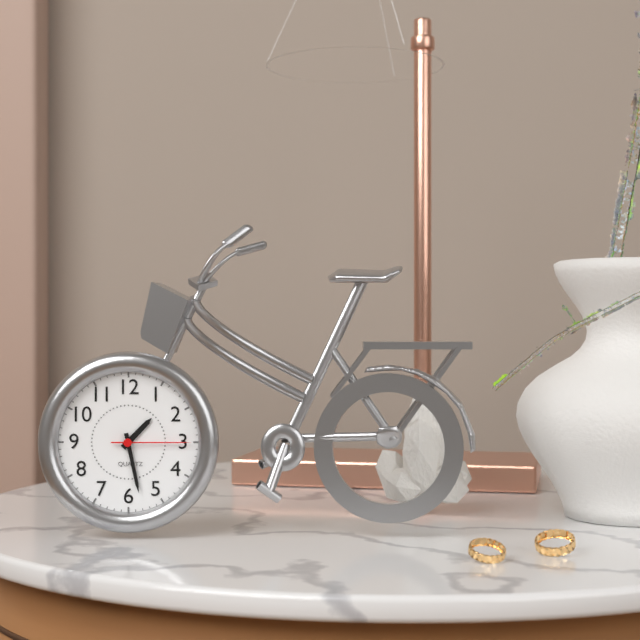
1 h 28 min 15 s
